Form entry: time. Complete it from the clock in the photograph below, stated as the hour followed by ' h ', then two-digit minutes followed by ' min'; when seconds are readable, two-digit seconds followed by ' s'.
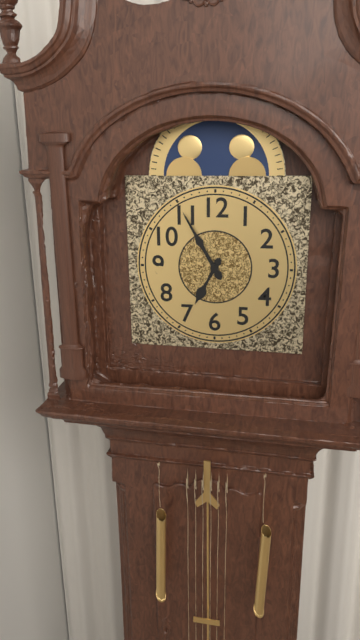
6 h 55 min
